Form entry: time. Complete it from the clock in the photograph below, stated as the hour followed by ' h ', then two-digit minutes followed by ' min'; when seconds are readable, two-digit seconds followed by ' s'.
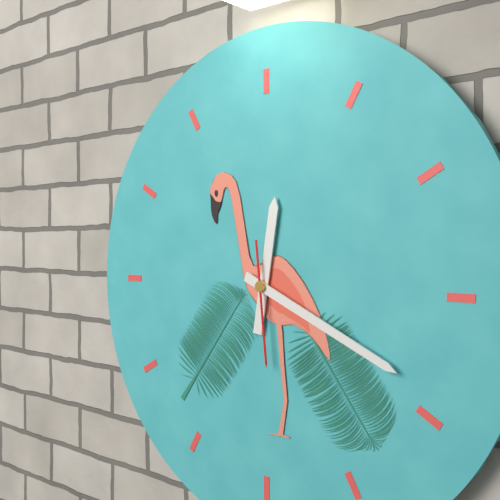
12 h 19 min 29 s
